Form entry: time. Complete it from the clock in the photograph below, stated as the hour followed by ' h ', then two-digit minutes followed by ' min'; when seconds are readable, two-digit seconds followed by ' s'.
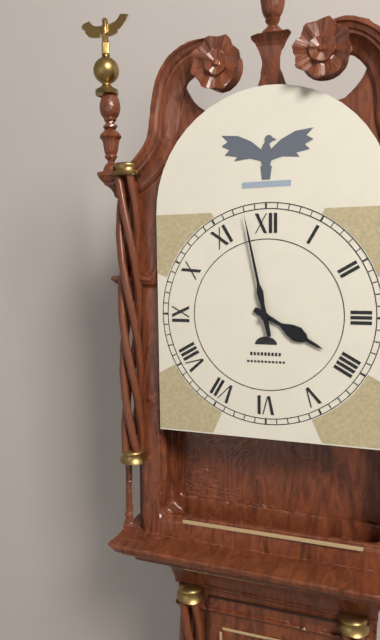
3 h 58 min
